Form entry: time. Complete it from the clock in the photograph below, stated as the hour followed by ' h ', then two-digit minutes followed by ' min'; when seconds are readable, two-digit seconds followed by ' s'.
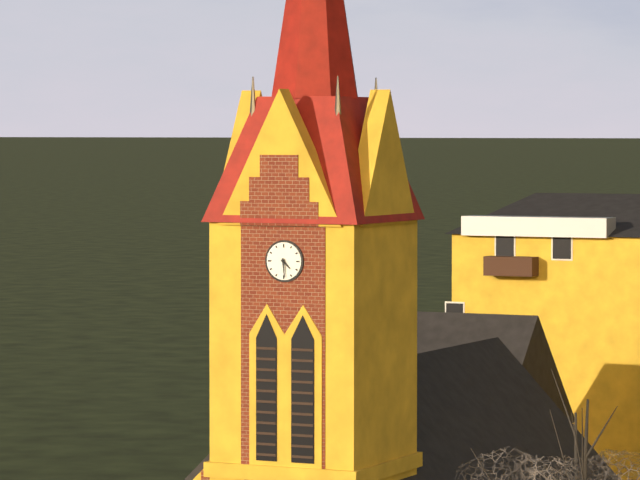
4 h 29 min
